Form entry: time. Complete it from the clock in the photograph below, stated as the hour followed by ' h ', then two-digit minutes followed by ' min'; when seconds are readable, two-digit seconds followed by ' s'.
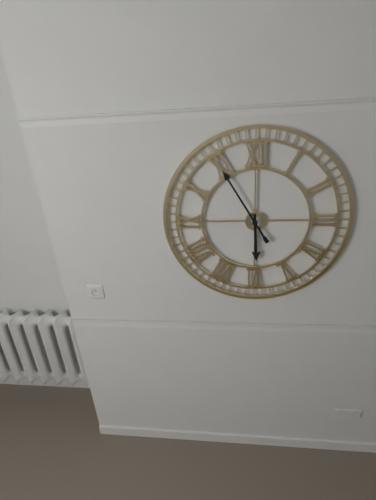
5 h 55 min
